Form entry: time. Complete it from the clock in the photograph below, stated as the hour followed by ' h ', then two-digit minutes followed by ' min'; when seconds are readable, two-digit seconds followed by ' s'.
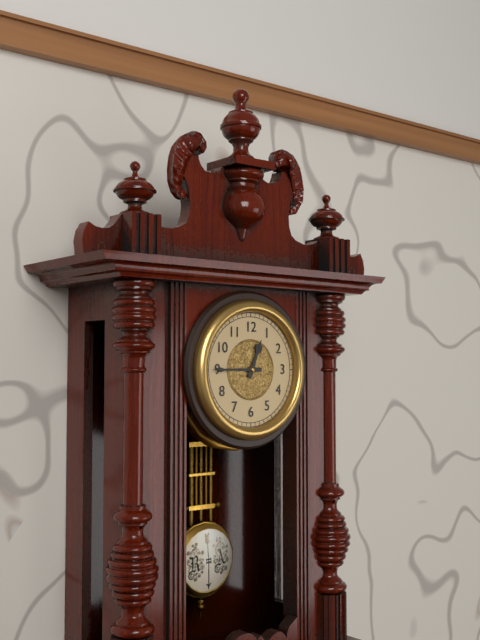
12 h 45 min
